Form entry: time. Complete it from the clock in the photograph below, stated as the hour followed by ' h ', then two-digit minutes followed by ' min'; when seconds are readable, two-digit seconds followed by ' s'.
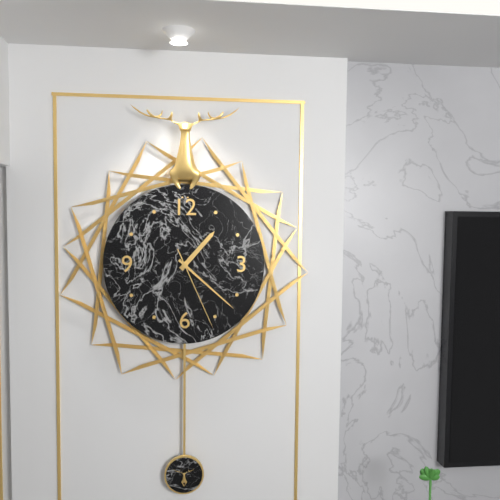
1 h 22 min 26 s
